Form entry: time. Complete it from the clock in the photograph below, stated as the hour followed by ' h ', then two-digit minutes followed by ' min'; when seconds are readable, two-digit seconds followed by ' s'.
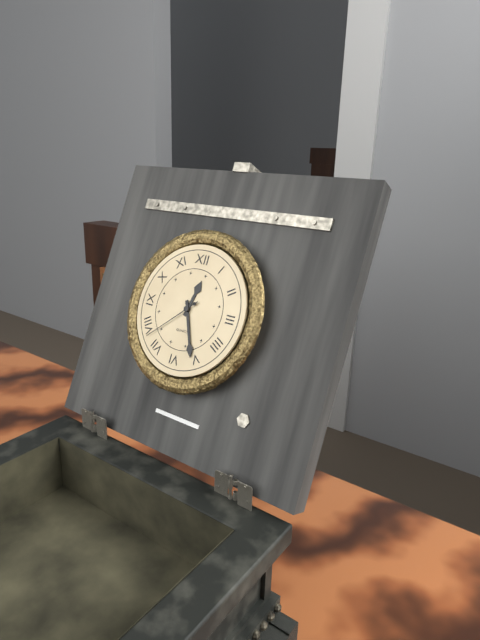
12 h 26 min 38 s
